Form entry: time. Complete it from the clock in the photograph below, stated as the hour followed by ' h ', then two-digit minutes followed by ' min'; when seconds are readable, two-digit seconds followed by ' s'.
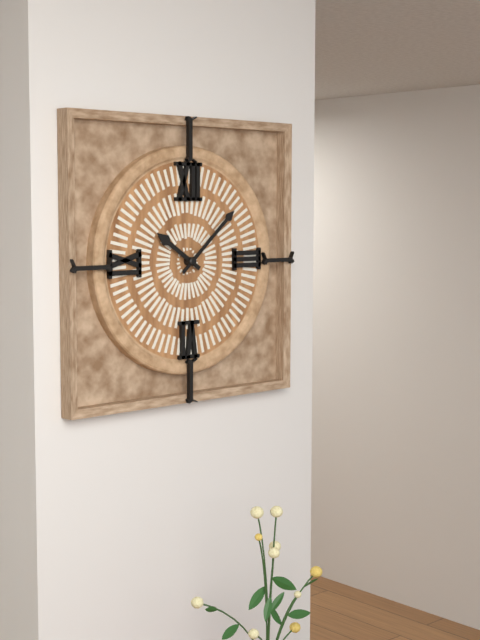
10 h 08 min
